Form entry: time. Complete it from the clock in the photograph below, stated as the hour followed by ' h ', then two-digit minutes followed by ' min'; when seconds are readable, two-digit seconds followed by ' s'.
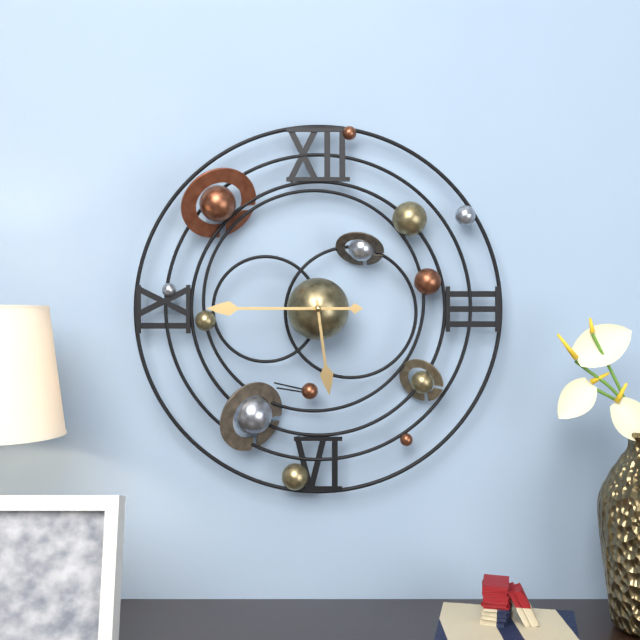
5 h 45 min
